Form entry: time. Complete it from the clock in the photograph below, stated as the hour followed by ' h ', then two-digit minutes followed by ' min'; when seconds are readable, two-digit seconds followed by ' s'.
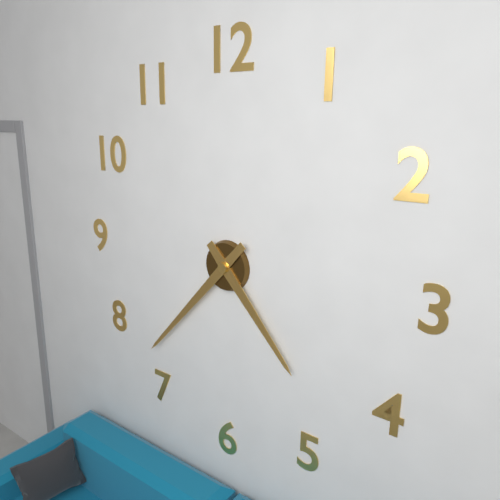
4 h 37 min
